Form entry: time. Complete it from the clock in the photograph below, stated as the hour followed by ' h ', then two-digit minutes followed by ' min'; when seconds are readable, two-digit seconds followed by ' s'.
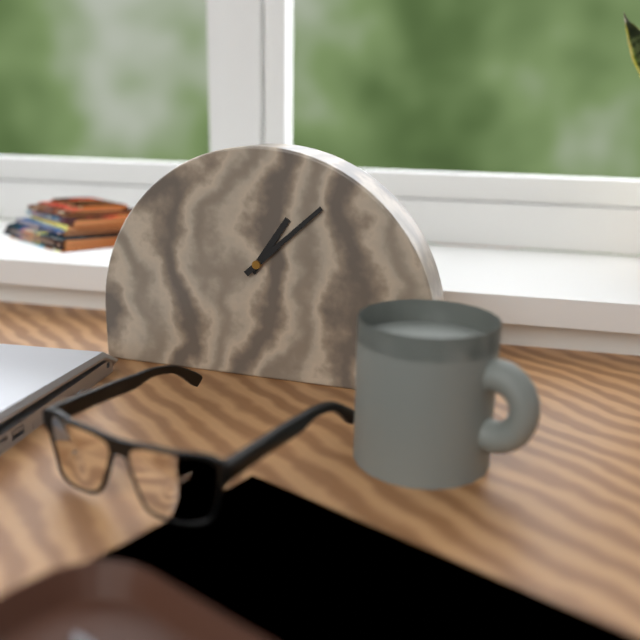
1 h 08 min
